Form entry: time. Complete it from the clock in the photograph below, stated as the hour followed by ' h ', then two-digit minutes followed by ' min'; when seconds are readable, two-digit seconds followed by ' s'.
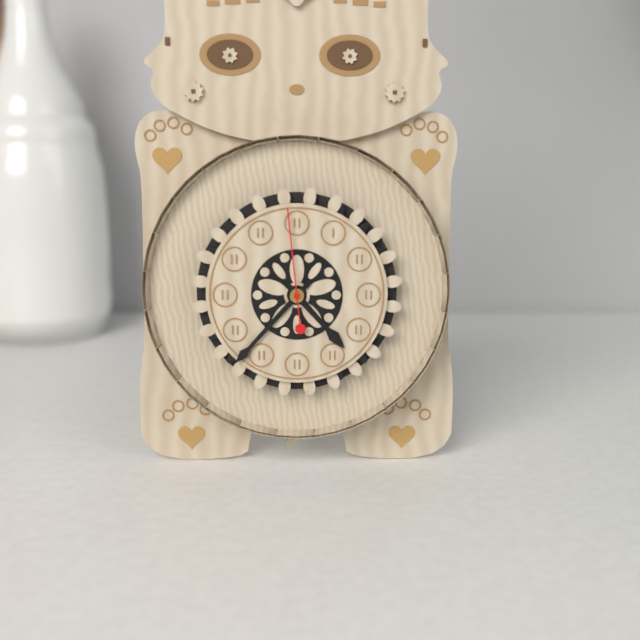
4 h 37 min 59 s
